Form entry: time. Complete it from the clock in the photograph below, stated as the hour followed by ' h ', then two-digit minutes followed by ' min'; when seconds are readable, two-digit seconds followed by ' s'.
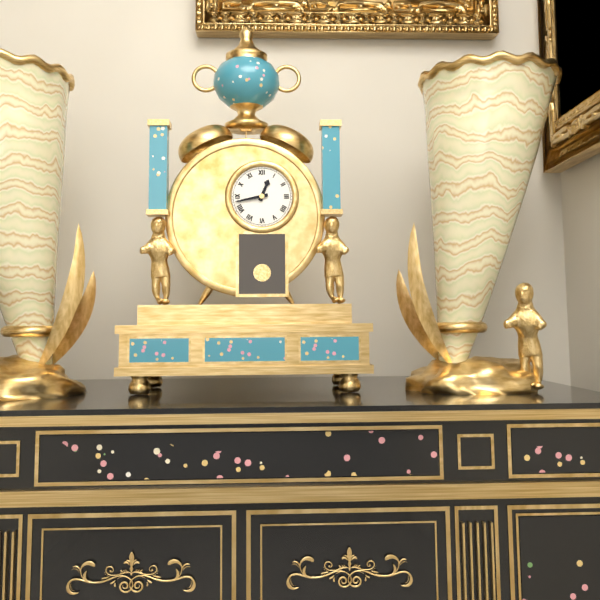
12 h 43 min
